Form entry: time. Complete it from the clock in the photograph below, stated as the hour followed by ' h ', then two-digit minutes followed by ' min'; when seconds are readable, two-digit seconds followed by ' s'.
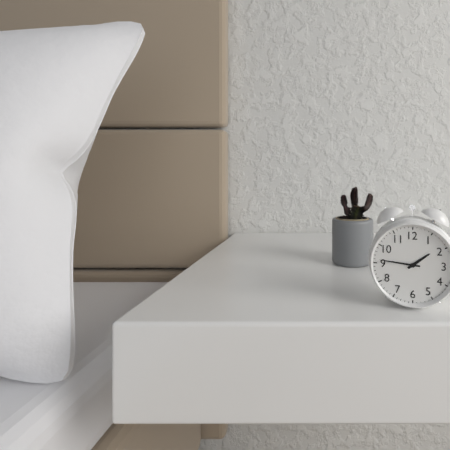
1 h 46 min
